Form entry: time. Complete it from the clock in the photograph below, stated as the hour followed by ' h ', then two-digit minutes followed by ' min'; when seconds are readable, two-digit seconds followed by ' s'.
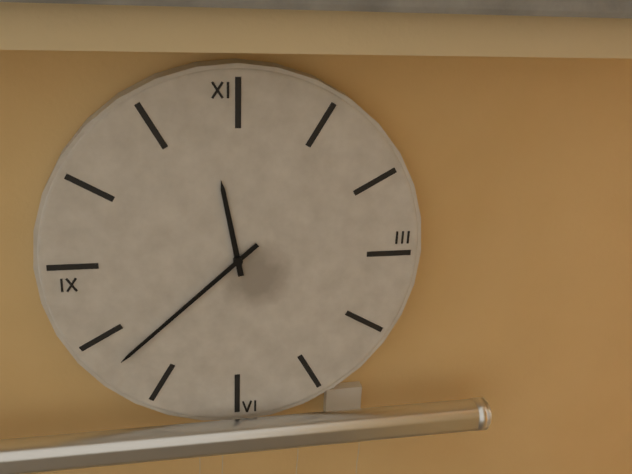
11 h 38 min
